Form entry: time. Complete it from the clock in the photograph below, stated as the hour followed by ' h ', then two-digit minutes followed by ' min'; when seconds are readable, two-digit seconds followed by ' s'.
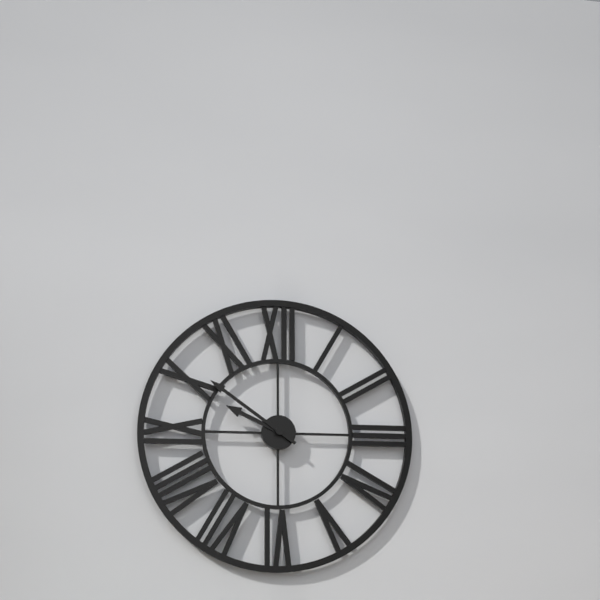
9 h 51 min
